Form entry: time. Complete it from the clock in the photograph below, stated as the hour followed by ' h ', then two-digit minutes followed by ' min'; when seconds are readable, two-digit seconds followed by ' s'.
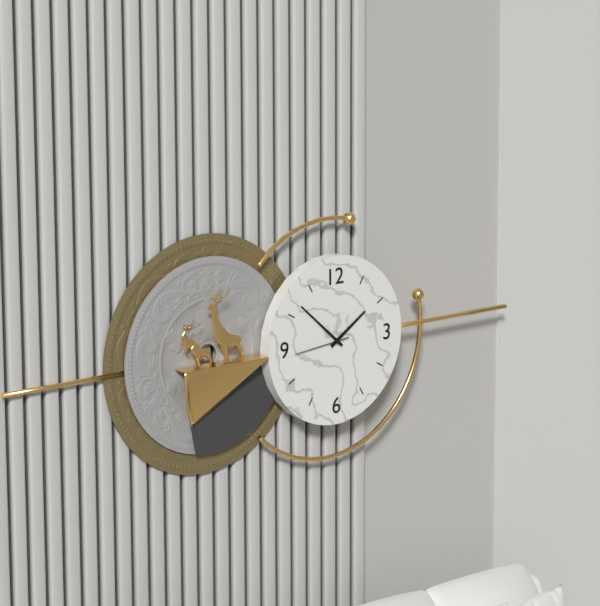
1 h 52 min 44 s
